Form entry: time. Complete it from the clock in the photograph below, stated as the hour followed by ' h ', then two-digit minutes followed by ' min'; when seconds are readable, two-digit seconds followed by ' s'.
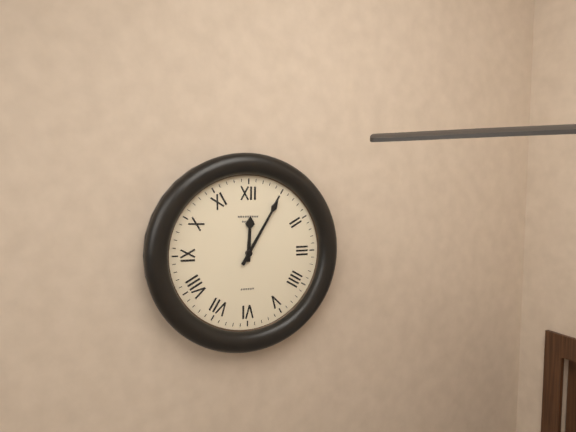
12 h 05 min
